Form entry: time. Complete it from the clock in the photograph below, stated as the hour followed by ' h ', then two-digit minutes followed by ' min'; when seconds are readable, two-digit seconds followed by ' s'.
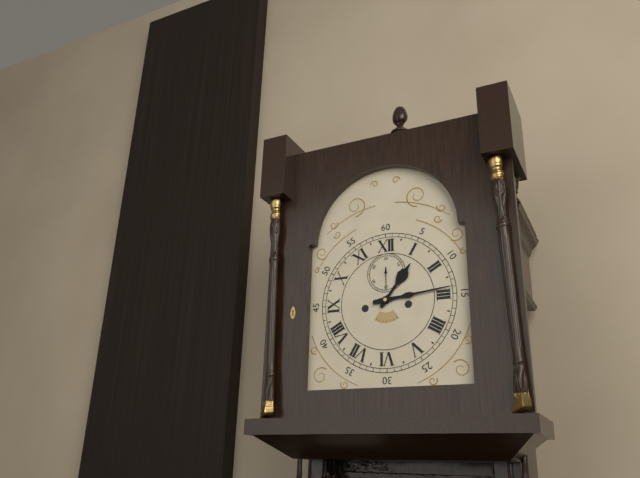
1 h 14 min
